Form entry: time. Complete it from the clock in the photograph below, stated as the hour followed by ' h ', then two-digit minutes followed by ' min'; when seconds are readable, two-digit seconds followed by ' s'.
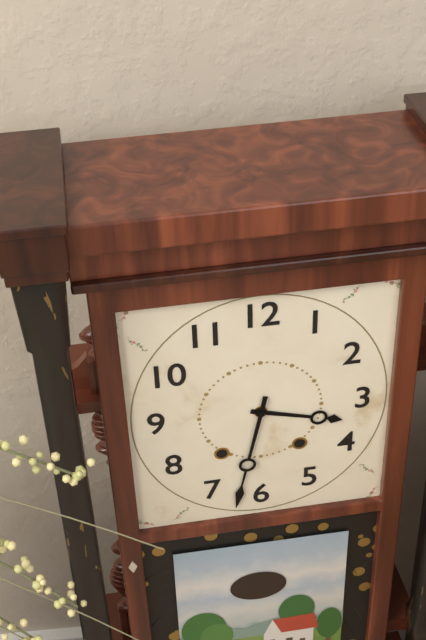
3 h 32 min
